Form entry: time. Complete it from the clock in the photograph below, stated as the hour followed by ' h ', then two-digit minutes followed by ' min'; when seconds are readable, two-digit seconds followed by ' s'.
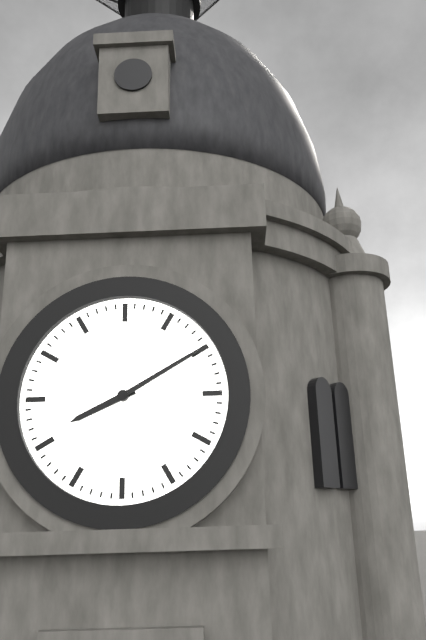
8 h 10 min
